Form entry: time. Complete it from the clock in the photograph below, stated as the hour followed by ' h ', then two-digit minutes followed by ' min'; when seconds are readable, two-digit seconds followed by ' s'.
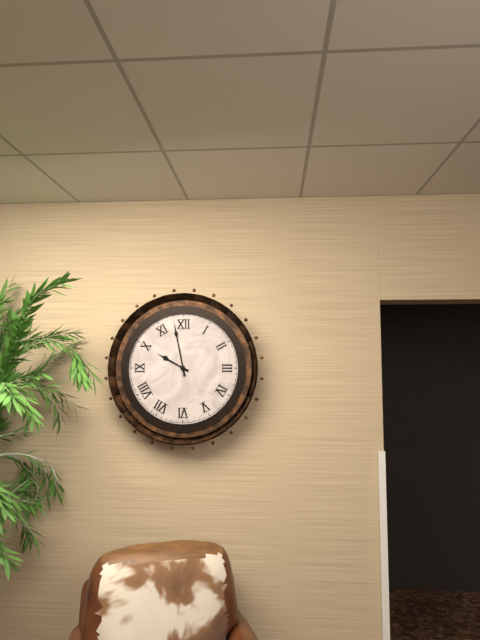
9 h 58 min
